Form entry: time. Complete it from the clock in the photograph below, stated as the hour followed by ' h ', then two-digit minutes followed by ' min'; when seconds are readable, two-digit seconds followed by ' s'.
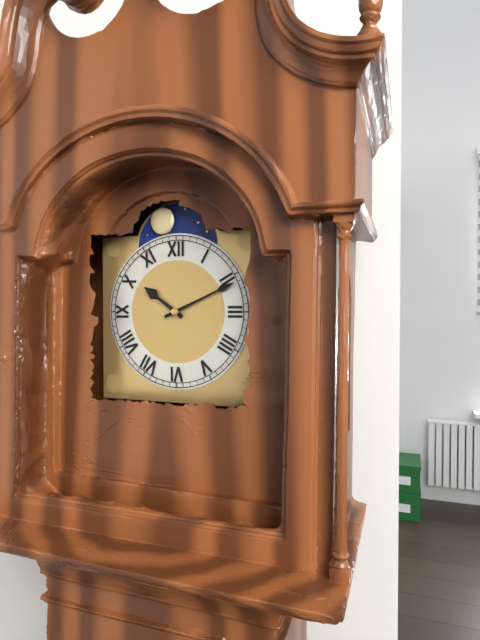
10 h 11 min
